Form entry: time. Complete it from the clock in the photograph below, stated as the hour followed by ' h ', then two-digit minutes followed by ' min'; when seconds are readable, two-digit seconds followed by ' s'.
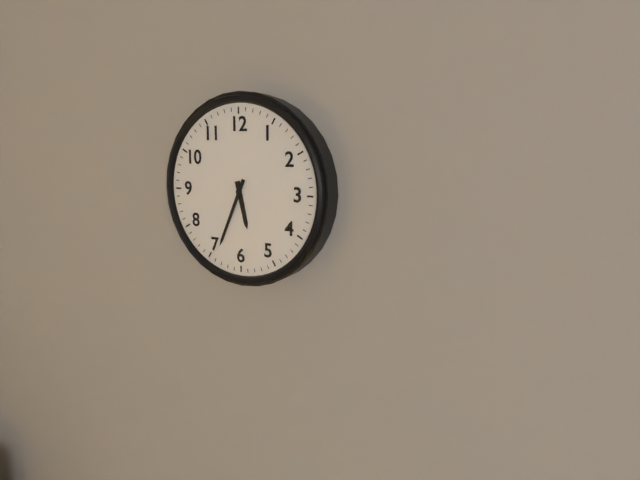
5 h 34 min
